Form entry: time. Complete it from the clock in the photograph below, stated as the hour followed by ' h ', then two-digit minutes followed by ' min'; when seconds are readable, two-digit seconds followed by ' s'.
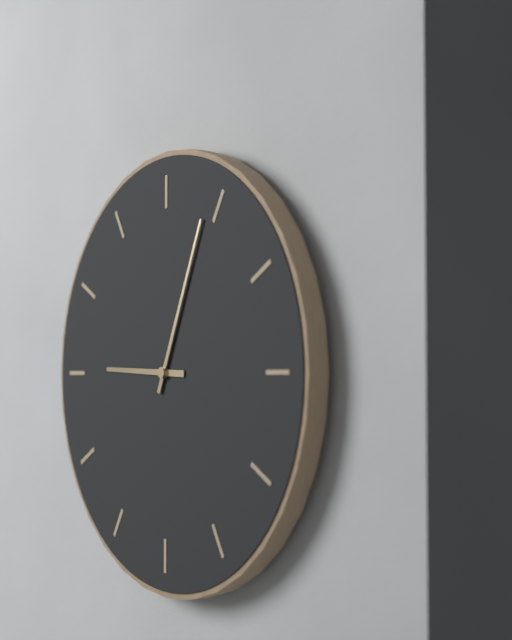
9 h 04 min
